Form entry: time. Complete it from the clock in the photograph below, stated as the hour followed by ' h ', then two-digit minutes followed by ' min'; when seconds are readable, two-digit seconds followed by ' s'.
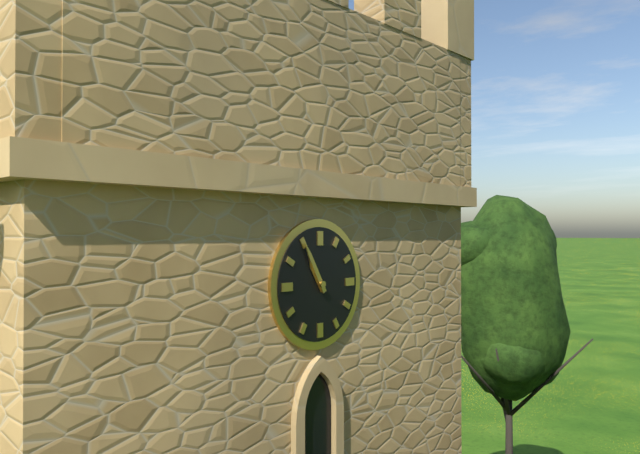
10 h 55 min
